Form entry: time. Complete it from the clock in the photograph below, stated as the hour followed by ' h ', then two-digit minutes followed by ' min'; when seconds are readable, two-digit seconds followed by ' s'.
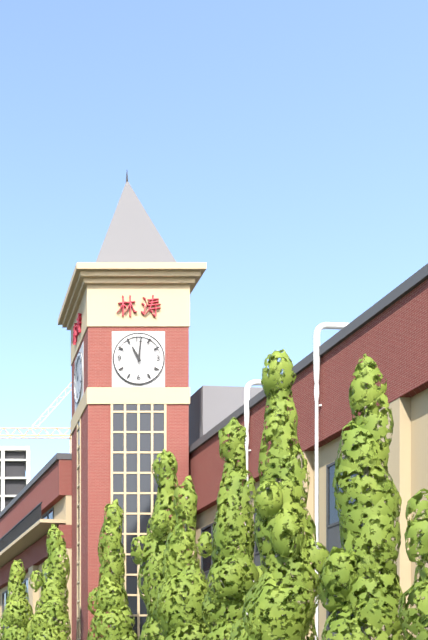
11 h 01 min
